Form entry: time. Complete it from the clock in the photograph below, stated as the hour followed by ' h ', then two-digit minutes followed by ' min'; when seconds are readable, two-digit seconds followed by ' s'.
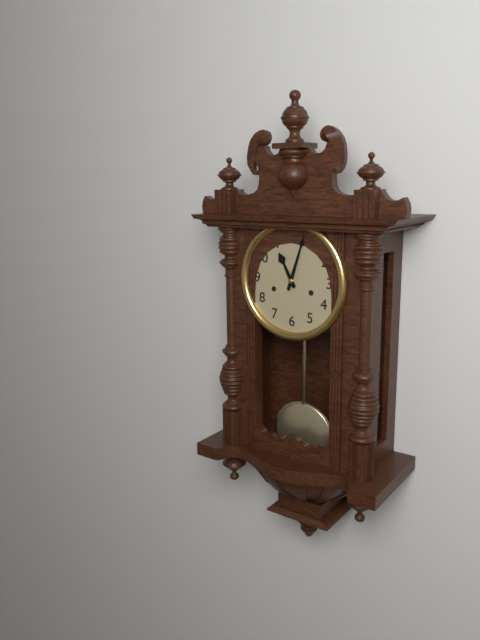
11 h 03 min
